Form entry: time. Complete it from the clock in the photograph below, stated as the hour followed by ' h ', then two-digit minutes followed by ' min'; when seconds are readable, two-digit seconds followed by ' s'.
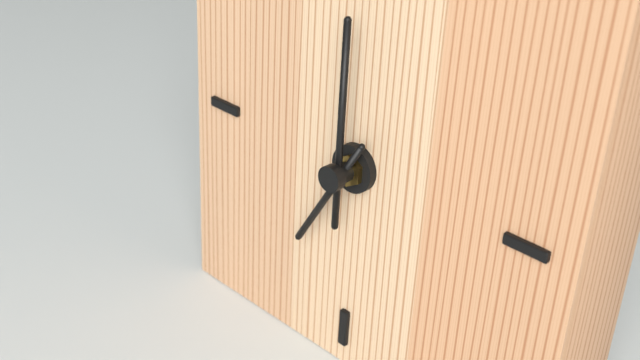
7 h 00 min
